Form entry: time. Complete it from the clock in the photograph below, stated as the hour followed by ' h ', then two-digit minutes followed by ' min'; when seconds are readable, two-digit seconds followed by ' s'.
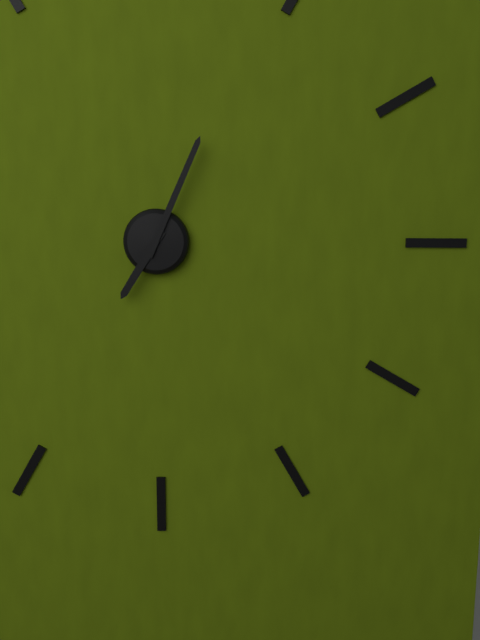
7 h 04 min
